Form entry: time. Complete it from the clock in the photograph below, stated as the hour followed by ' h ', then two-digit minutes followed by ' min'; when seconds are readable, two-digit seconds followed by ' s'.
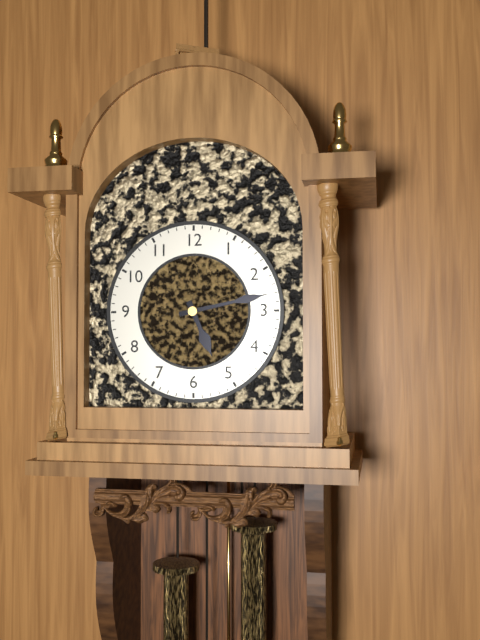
5 h 13 min
